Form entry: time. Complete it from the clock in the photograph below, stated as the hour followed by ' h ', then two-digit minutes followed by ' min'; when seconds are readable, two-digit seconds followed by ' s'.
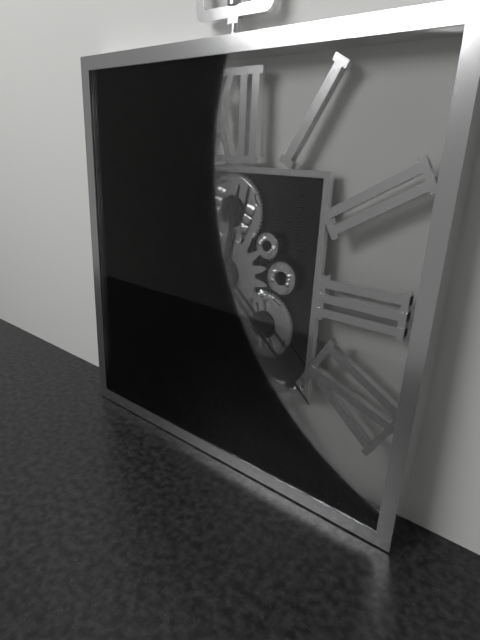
12 h 22 min
